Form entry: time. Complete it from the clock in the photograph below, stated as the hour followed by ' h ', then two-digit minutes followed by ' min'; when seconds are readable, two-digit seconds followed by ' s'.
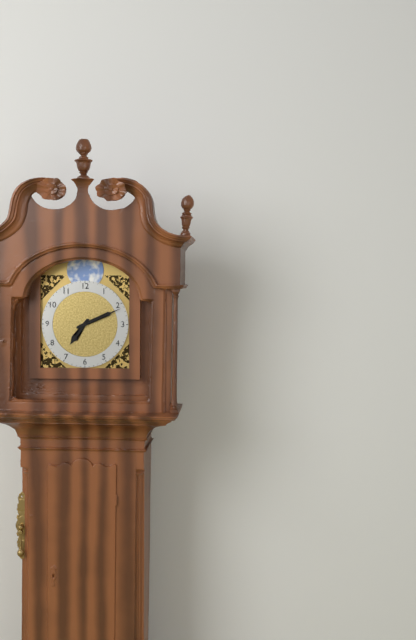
7 h 11 min
